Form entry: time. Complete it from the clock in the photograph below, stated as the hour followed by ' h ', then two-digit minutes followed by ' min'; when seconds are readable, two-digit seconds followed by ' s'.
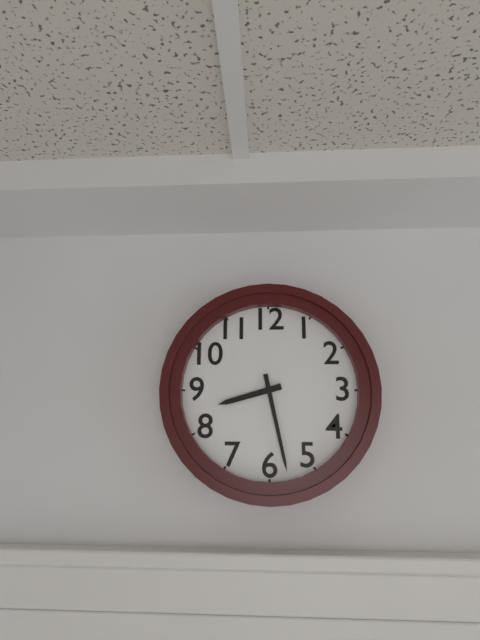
8 h 28 min
